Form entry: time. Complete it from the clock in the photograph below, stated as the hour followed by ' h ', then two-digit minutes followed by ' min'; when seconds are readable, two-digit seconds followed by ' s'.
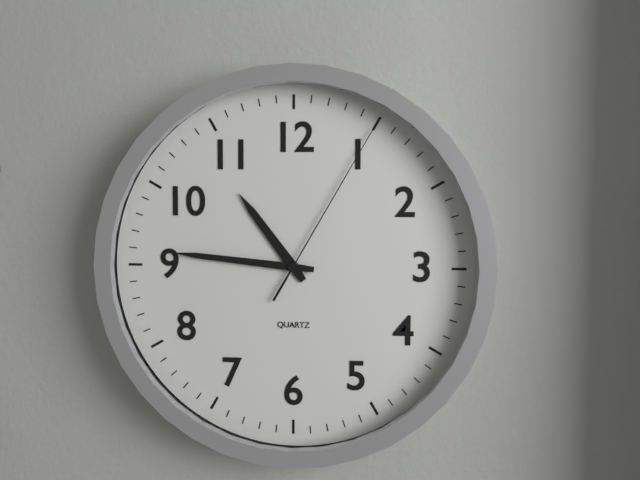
10 h 46 min 05 s
